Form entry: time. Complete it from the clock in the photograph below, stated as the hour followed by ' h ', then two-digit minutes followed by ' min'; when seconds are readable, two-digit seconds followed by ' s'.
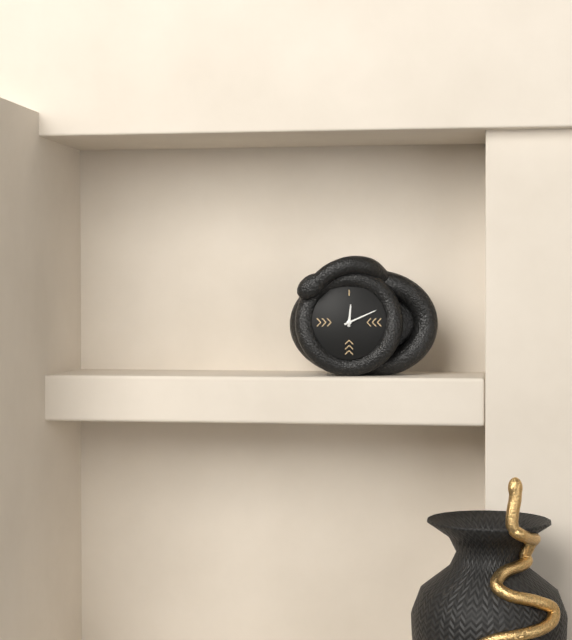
12 h 11 min
